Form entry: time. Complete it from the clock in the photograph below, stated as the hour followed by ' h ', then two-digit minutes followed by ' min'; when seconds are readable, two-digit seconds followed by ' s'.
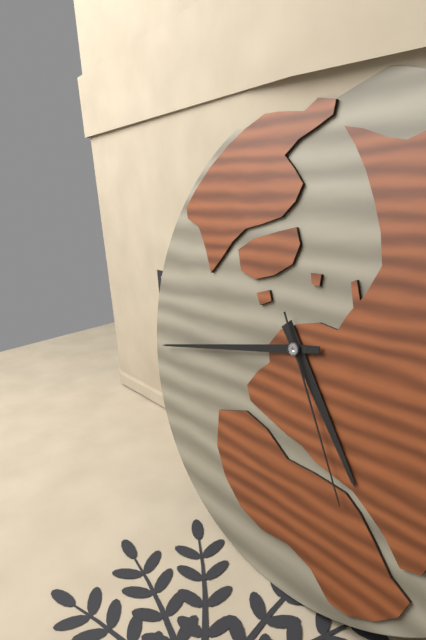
4 h 43 min 25 s
